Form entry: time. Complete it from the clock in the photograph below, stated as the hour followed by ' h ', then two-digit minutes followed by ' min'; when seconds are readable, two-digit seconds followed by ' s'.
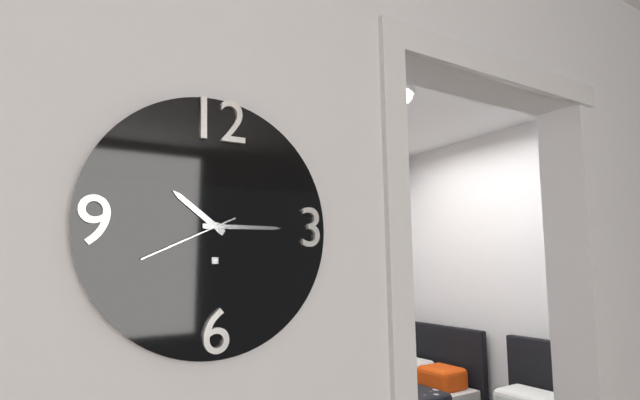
10 h 15 min 41 s
